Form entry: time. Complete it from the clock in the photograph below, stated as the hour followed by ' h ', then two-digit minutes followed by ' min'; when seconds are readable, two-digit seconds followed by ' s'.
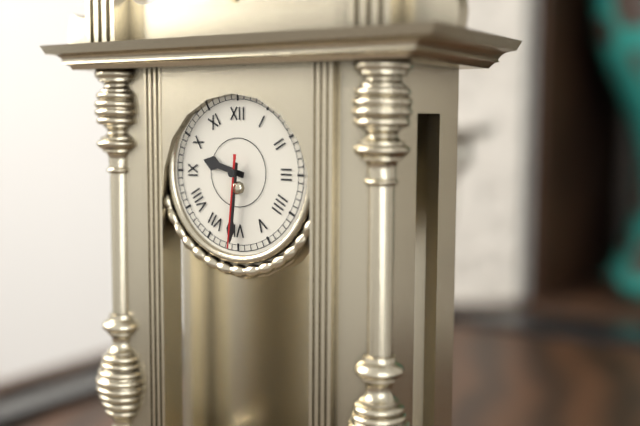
9 h 31 min 31 s
